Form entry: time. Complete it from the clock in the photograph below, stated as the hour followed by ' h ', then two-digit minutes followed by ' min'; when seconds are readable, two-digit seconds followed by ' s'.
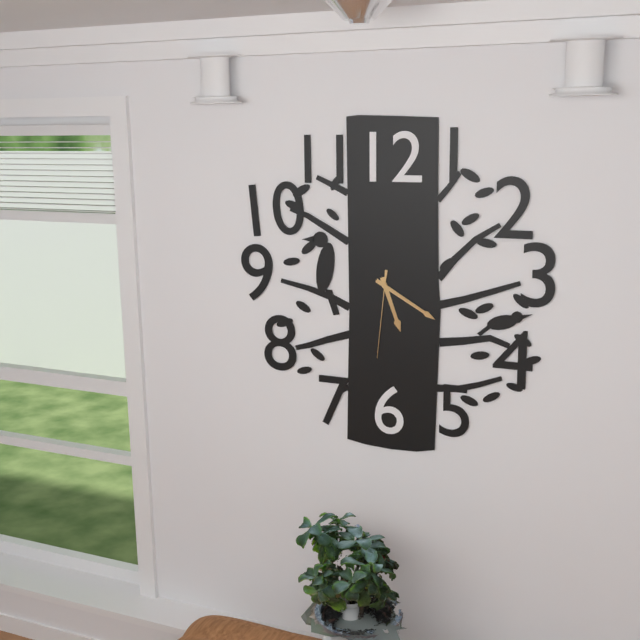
5 h 20 min 31 s
